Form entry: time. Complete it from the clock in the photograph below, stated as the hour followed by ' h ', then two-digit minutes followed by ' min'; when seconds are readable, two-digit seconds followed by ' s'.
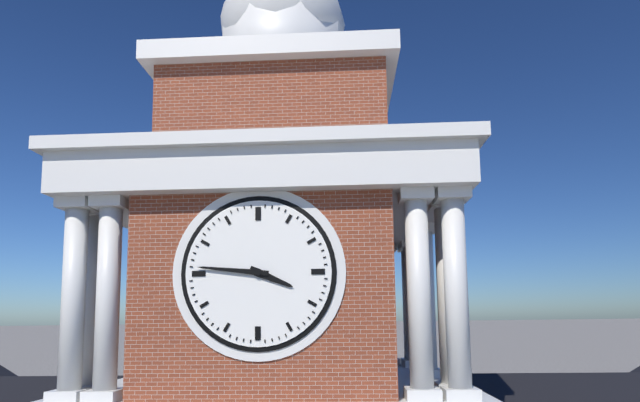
3 h 46 min
